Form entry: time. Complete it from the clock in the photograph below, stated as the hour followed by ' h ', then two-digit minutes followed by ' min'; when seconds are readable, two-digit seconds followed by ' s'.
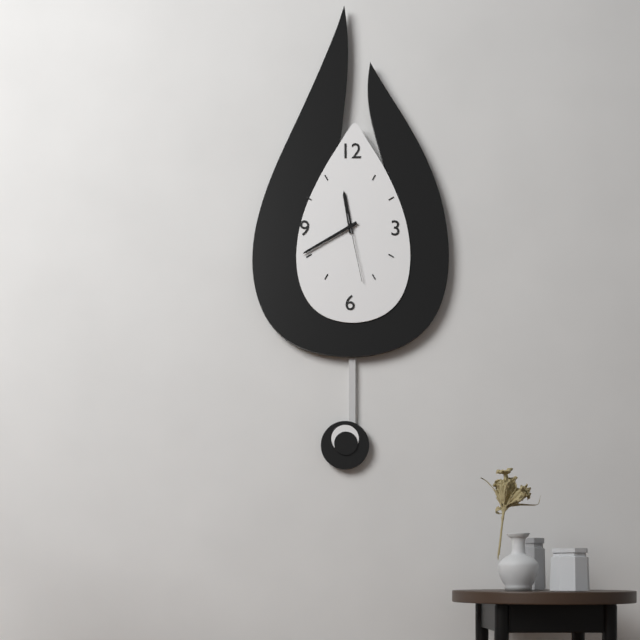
11 h 40 min 28 s
